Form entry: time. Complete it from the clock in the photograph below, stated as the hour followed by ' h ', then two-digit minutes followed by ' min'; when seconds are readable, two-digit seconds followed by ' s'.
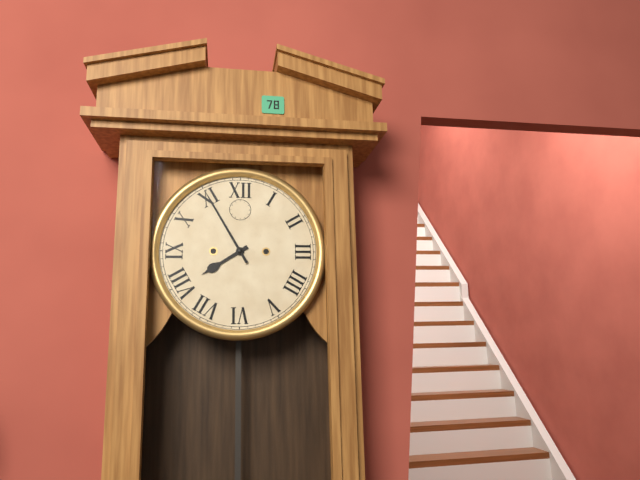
7 h 55 min
